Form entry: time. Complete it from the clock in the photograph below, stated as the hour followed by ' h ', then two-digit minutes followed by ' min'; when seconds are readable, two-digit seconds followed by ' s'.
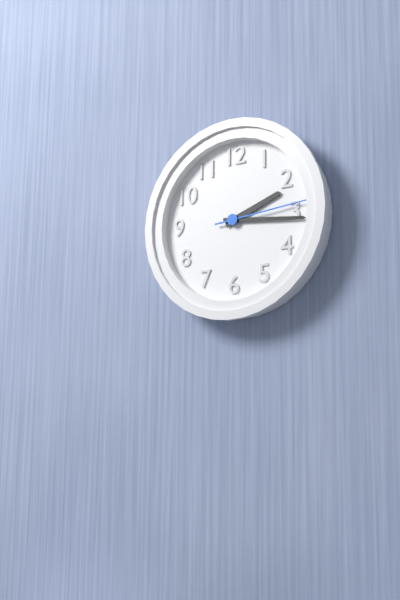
2 h 16 min 14 s
